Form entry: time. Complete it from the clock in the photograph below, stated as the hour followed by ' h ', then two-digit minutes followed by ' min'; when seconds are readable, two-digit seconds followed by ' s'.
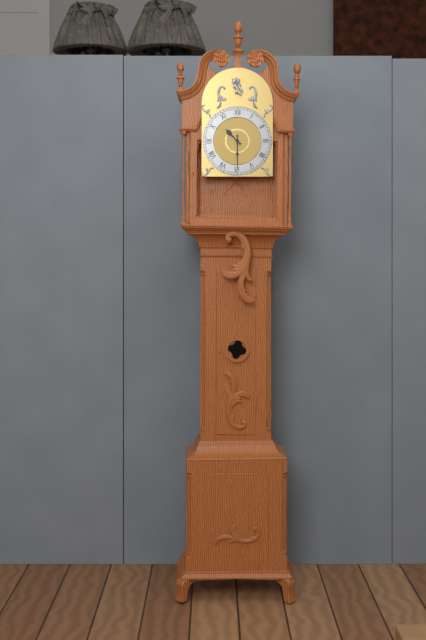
10 h 30 min
